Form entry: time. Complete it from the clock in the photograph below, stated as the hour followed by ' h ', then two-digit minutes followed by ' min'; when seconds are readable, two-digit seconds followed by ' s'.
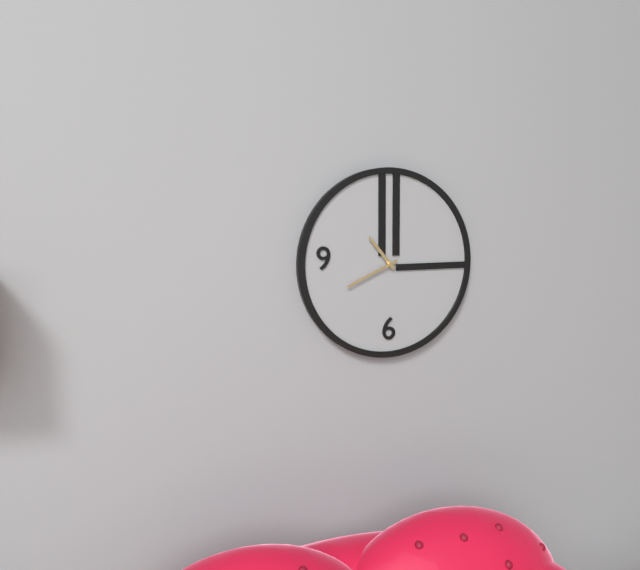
10 h 41 min
